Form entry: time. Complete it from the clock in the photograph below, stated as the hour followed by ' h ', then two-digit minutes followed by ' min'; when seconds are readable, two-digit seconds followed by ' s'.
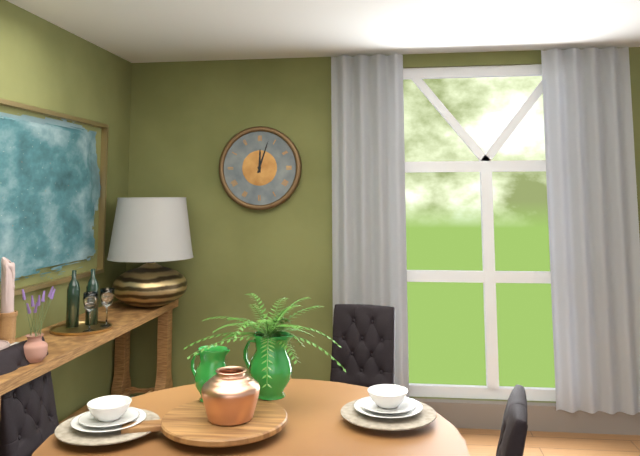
12 h 03 min
